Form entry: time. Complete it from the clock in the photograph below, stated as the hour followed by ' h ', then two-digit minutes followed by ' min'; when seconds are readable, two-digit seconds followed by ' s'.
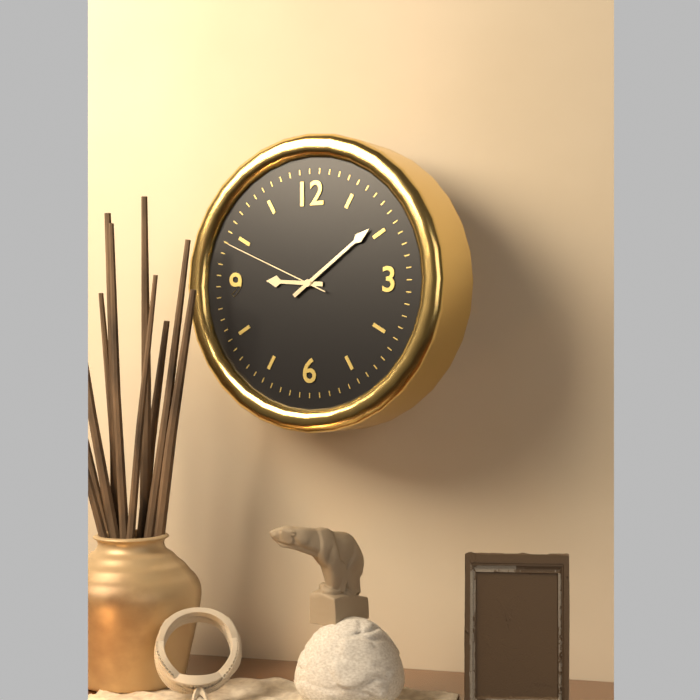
9 h 09 min 49 s
